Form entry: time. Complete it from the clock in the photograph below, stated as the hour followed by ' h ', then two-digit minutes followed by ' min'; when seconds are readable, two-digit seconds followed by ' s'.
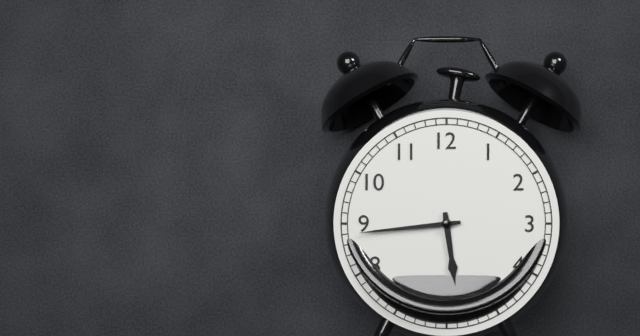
5 h 44 min
